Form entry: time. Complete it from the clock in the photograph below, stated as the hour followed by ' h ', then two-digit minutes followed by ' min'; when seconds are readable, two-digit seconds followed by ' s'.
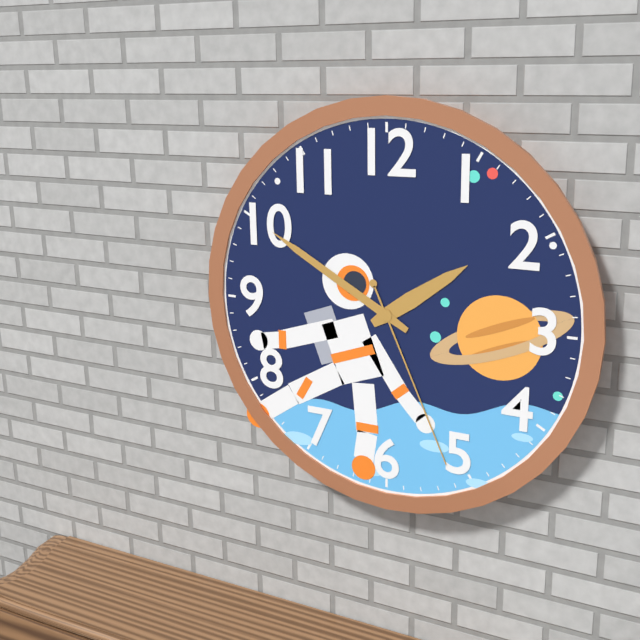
1 h 50 min 26 s
